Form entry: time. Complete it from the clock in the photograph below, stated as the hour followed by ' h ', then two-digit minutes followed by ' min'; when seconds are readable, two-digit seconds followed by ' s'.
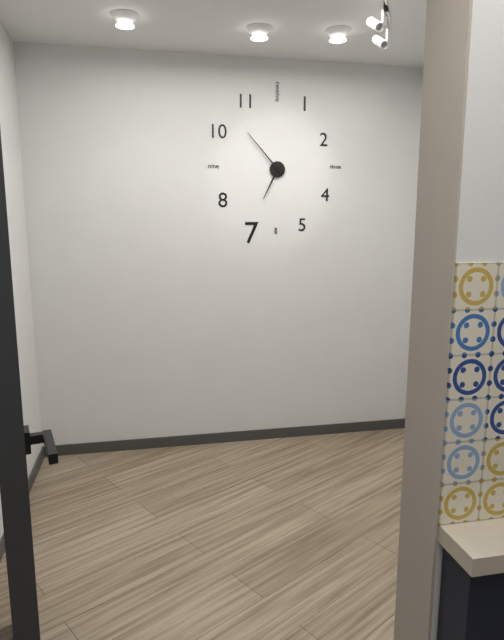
6 h 53 min
